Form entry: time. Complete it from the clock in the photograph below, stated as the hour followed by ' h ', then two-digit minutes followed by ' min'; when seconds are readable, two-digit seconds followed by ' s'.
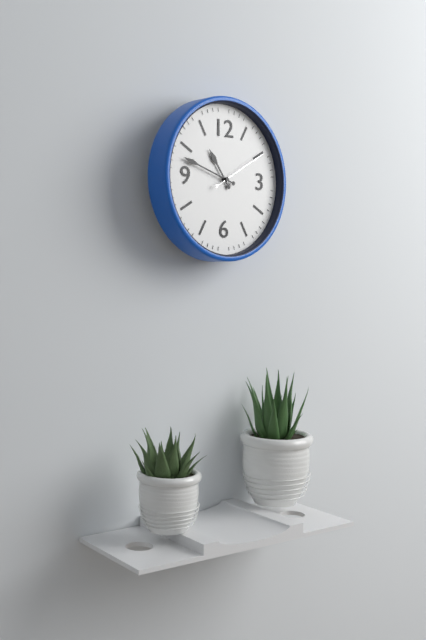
10 h 48 min 10 s
